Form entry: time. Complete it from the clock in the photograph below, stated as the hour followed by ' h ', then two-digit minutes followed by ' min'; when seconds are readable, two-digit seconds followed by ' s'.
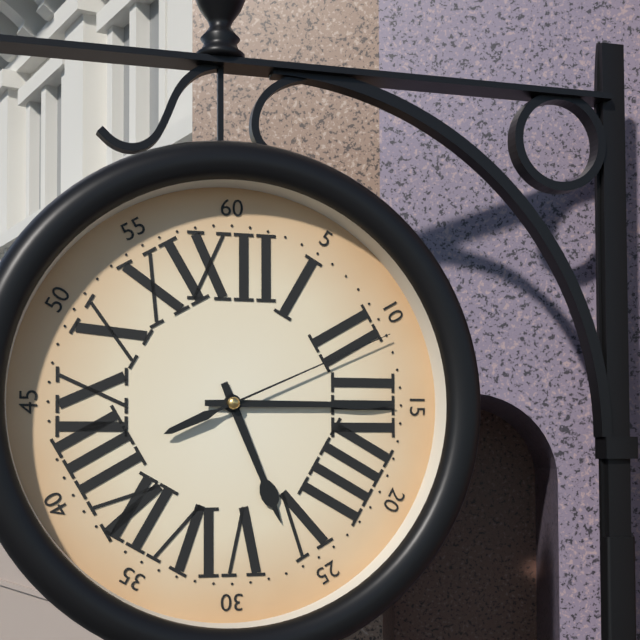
5 h 15 min 11 s
